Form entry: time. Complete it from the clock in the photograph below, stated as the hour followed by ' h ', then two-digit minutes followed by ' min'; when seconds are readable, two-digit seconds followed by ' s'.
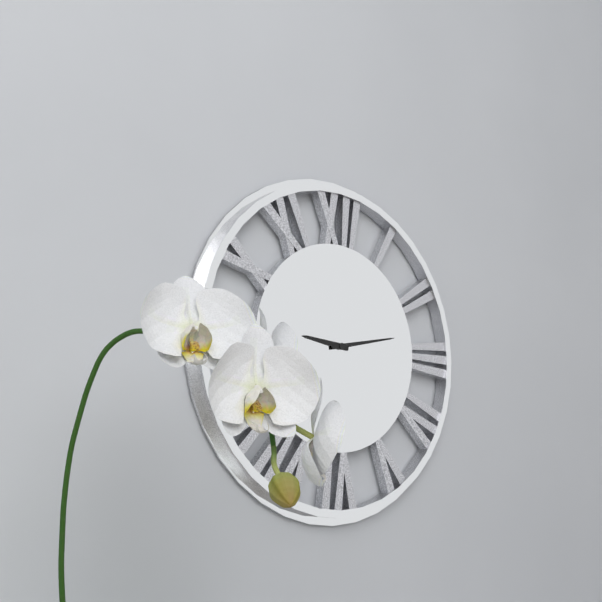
9 h 13 min
